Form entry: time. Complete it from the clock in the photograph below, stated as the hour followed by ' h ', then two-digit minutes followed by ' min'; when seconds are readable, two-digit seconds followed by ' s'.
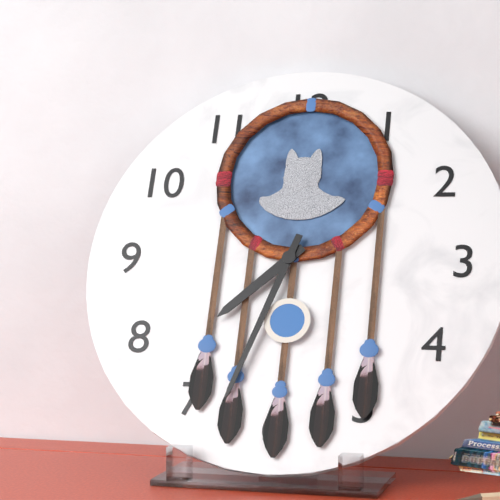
7 h 33 min
